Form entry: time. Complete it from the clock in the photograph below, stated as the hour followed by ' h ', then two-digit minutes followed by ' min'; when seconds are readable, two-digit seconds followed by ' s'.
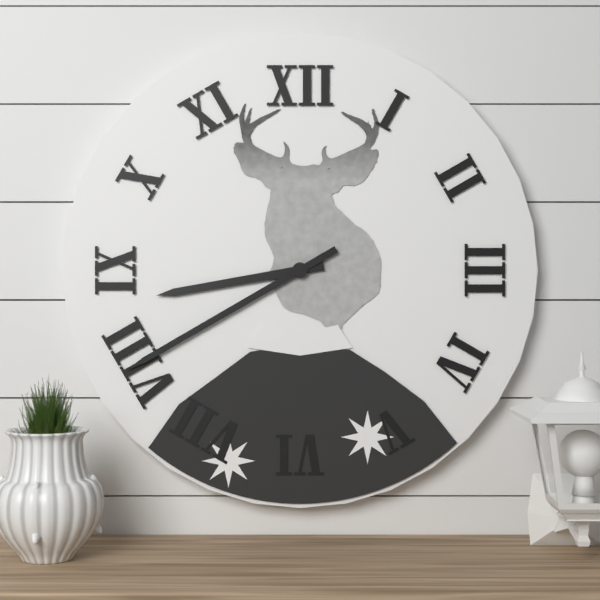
8 h 40 min
